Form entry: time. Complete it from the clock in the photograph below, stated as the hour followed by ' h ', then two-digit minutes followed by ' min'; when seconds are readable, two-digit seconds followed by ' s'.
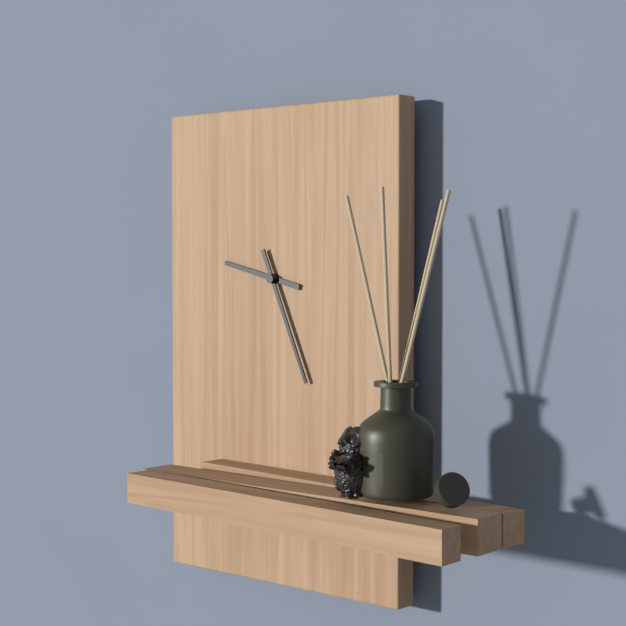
9 h 26 min
